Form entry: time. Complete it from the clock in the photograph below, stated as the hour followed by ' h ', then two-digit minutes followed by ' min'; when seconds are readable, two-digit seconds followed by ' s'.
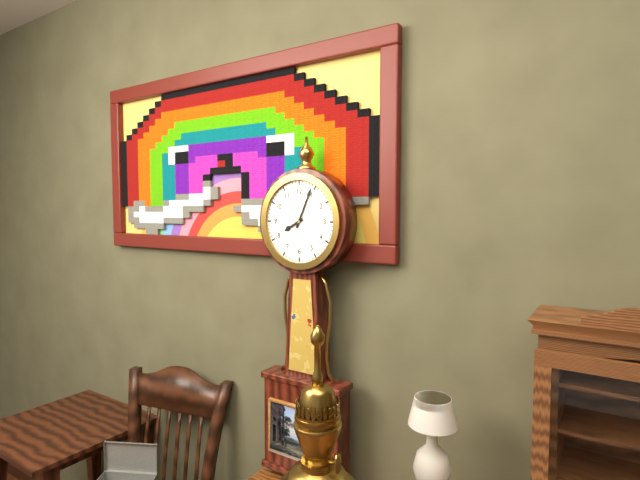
8 h 04 min
